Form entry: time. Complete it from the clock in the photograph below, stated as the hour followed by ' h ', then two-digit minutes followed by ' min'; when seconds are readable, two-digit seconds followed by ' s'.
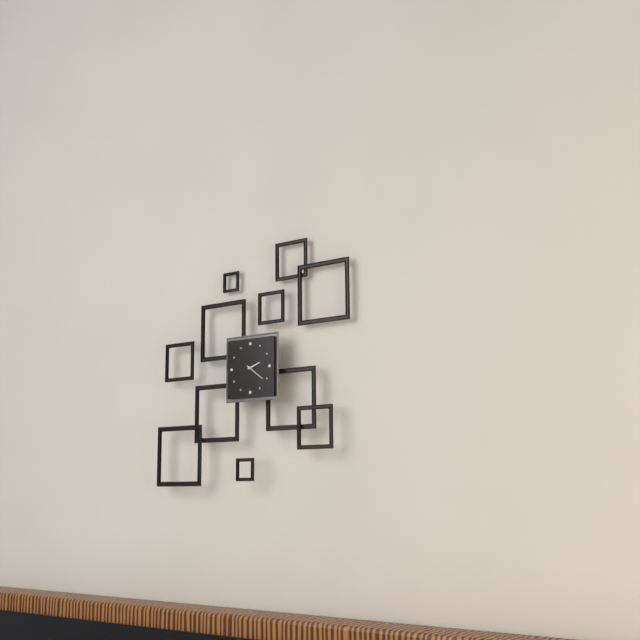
2 h 21 min
